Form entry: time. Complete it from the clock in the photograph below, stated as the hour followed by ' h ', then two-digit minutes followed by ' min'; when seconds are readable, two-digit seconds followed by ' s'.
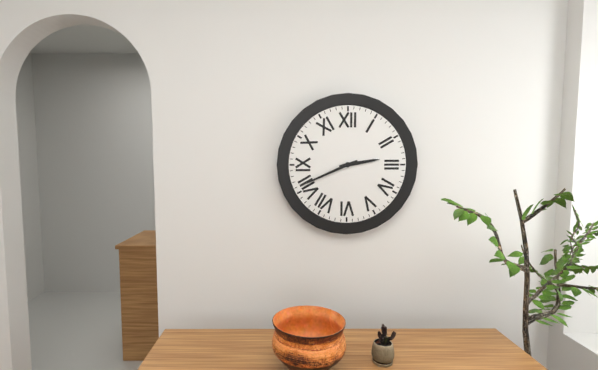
2 h 41 min
